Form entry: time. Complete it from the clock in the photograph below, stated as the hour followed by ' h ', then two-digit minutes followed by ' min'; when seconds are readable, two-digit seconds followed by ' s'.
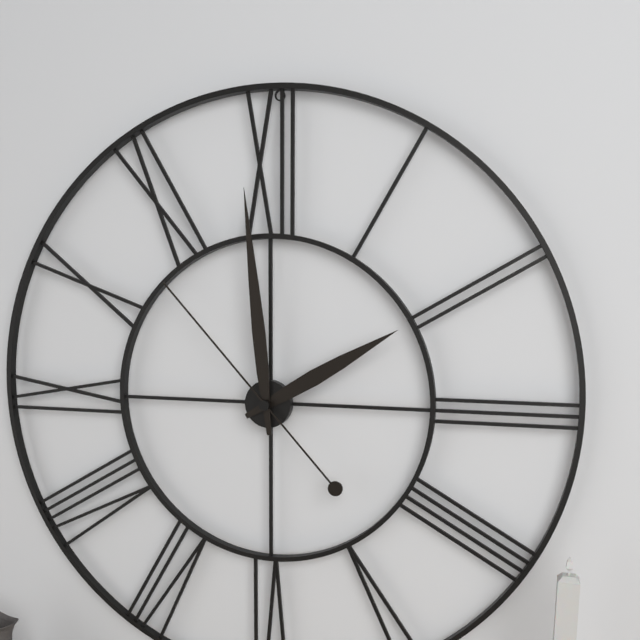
1 h 59 min 53 s
